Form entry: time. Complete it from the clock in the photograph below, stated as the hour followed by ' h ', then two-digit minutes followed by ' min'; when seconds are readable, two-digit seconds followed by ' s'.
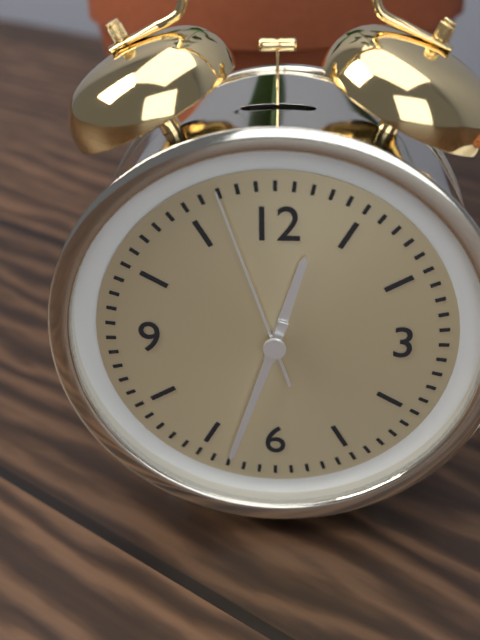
12 h 33 min 57 s
